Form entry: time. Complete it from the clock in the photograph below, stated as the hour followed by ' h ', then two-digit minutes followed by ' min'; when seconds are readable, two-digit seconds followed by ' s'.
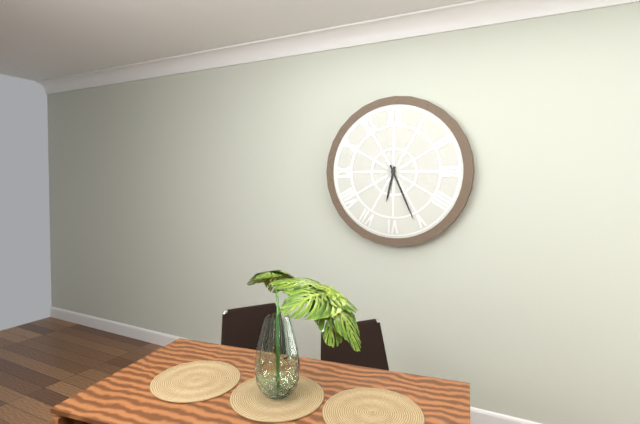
6 h 26 min
